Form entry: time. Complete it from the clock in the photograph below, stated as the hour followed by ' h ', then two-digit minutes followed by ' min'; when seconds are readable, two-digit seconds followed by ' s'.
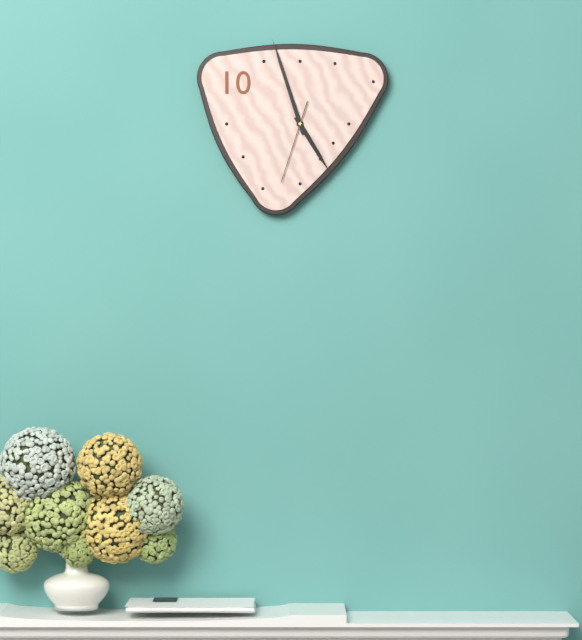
4 h 57 min 33 s
